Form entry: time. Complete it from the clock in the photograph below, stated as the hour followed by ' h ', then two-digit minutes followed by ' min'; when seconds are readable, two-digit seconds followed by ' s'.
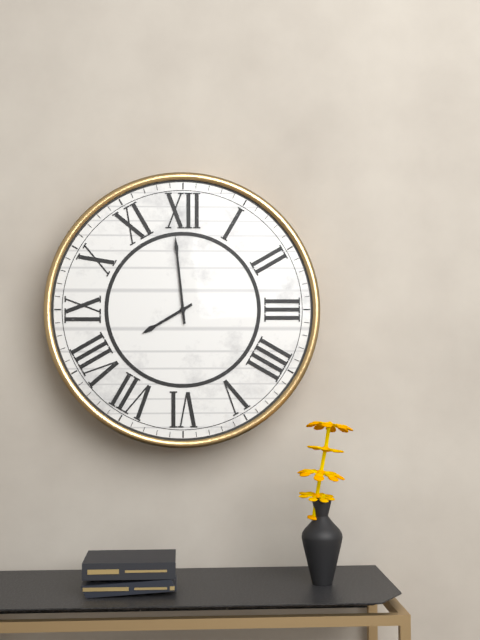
7 h 59 min
